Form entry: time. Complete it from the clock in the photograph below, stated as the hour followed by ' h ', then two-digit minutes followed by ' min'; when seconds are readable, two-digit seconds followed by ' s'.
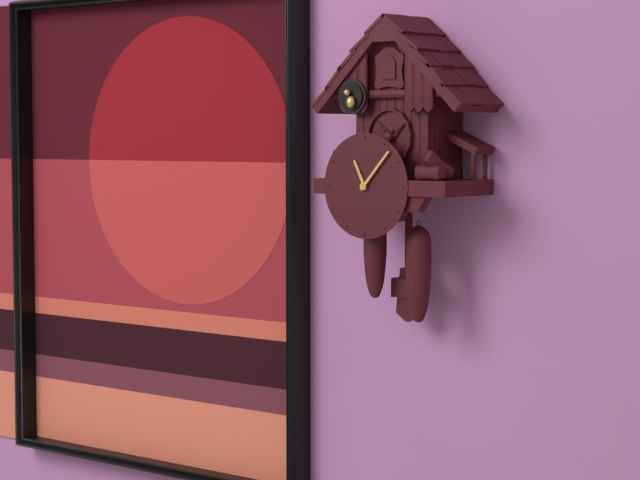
11 h 07 min
